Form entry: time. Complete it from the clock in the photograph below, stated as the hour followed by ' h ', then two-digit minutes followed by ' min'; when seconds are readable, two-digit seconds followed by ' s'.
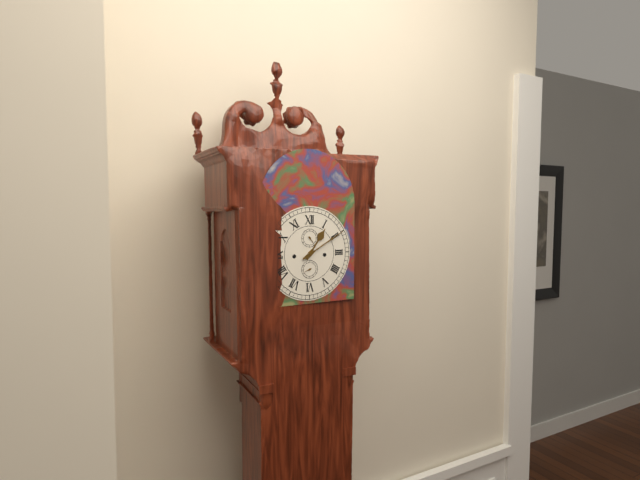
1 h 10 min
